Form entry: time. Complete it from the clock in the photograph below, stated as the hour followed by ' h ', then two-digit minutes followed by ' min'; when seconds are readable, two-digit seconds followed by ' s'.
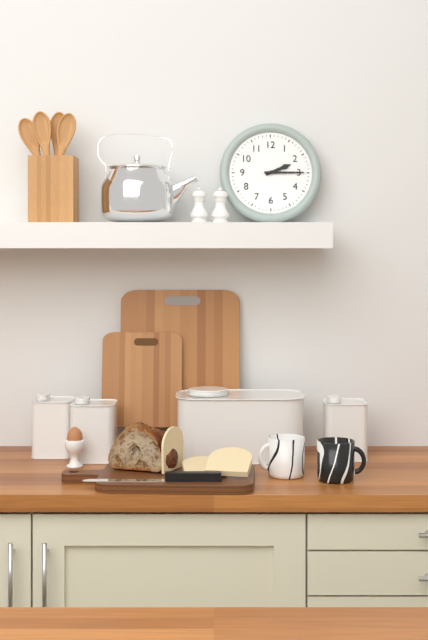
2 h 15 min
